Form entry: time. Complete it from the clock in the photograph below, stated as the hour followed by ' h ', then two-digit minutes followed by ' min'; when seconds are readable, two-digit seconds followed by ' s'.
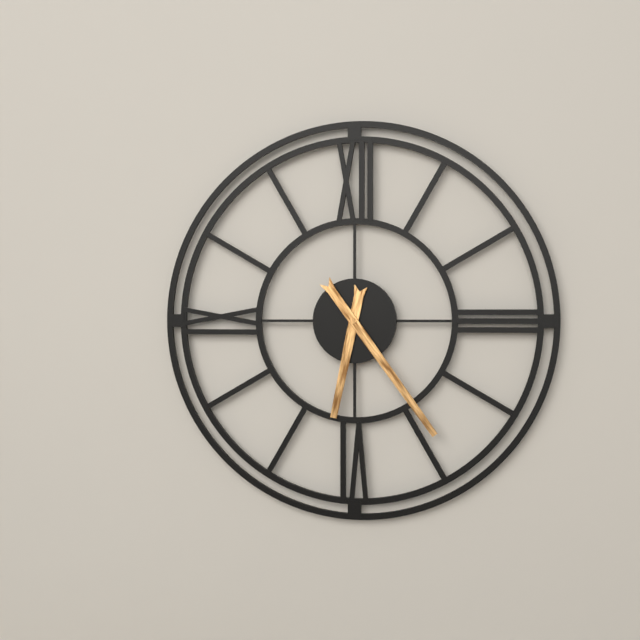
6 h 24 min
